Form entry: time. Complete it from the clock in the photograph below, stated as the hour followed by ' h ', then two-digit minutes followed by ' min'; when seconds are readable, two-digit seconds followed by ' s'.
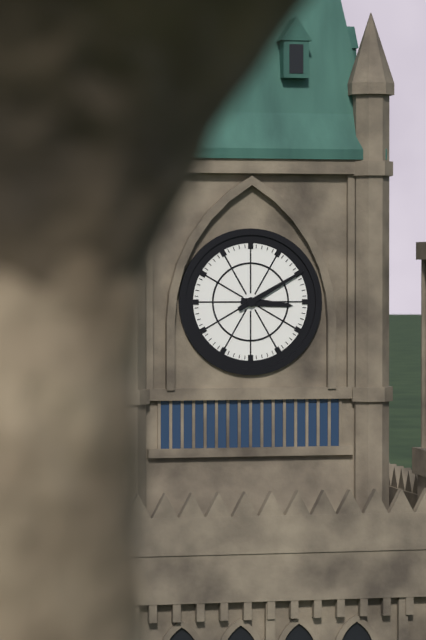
3 h 10 min
